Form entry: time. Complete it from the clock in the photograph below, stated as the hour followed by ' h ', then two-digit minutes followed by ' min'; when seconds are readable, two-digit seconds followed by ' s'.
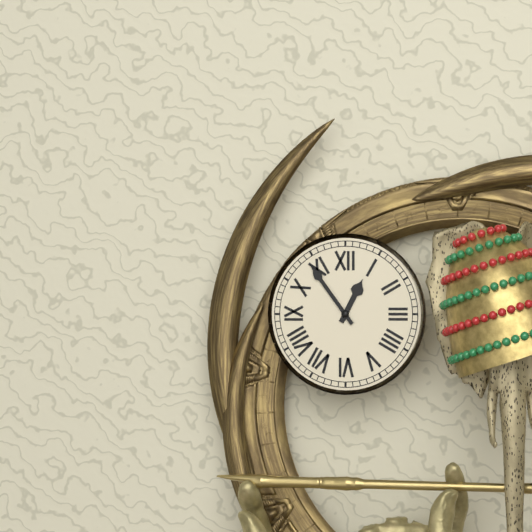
12 h 54 min
